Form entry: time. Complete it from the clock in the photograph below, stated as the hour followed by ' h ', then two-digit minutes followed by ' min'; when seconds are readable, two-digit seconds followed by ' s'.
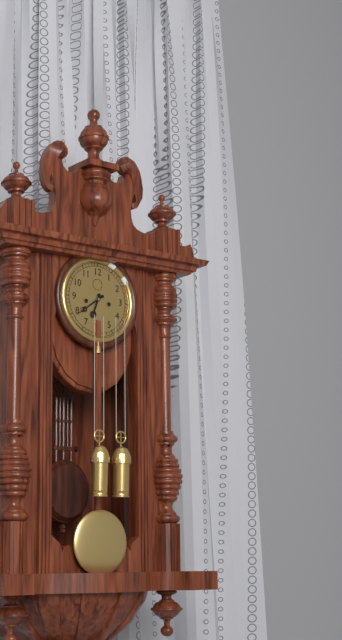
6 h 39 min
